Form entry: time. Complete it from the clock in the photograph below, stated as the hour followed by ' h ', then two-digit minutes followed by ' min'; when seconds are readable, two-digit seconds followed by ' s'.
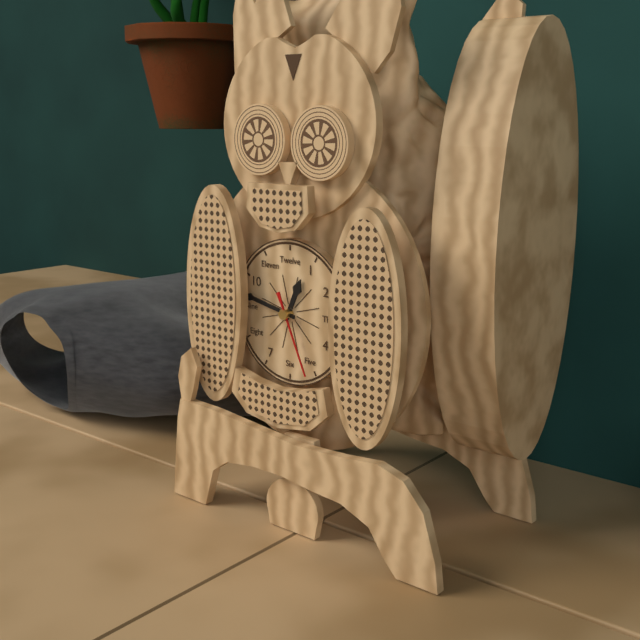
12 h 47 min 26 s
